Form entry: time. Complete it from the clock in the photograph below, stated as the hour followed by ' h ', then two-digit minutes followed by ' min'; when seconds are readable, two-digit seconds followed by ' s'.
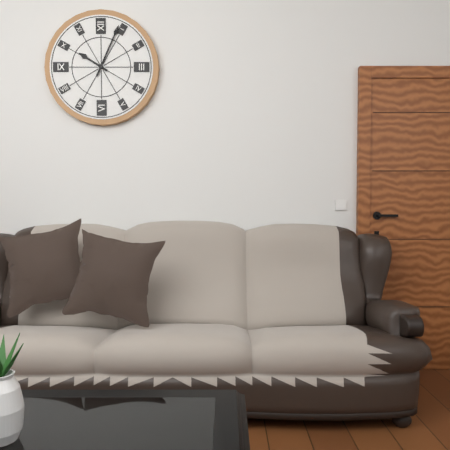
10 h 04 min
